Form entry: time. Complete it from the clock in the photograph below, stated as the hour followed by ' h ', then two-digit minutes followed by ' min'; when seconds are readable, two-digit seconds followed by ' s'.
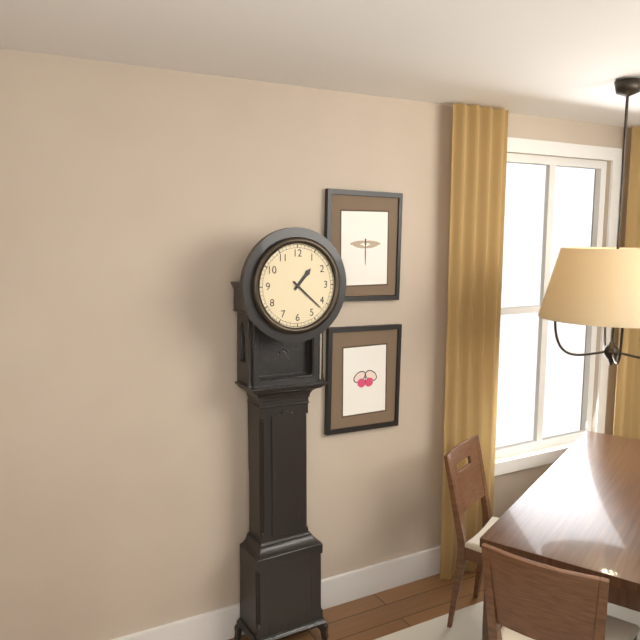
1 h 22 min
